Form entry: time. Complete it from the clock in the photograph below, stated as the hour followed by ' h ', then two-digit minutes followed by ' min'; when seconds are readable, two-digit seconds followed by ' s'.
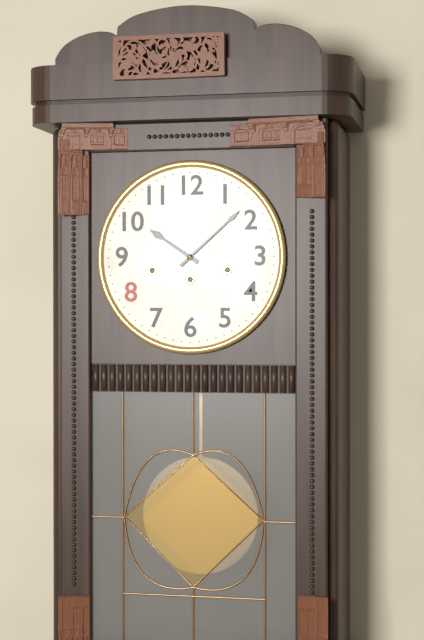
10 h 08 min
